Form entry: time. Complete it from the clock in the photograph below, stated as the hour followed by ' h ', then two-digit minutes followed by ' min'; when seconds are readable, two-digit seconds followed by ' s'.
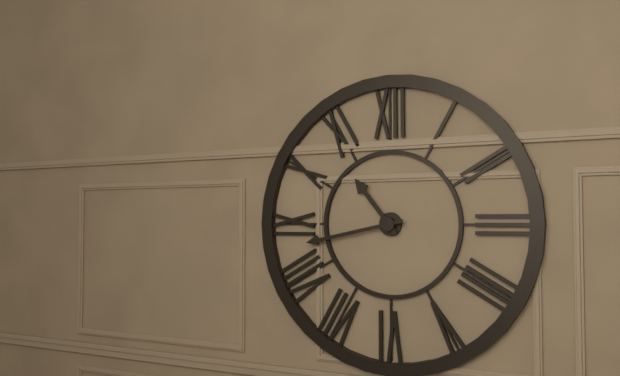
10 h 43 min
